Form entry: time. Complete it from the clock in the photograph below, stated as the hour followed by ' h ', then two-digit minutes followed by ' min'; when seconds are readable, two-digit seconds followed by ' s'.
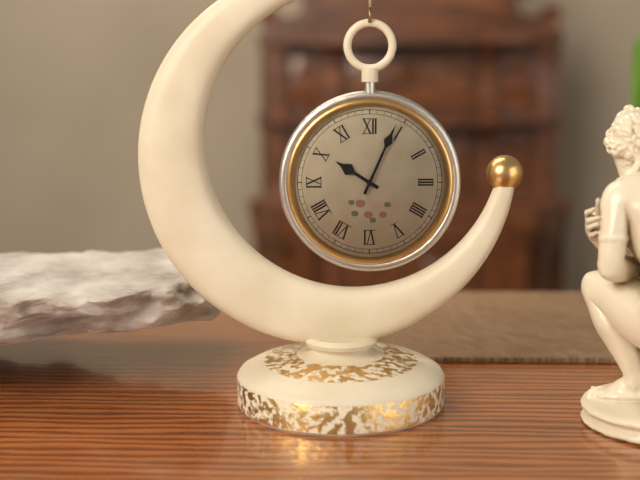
10 h 04 min
